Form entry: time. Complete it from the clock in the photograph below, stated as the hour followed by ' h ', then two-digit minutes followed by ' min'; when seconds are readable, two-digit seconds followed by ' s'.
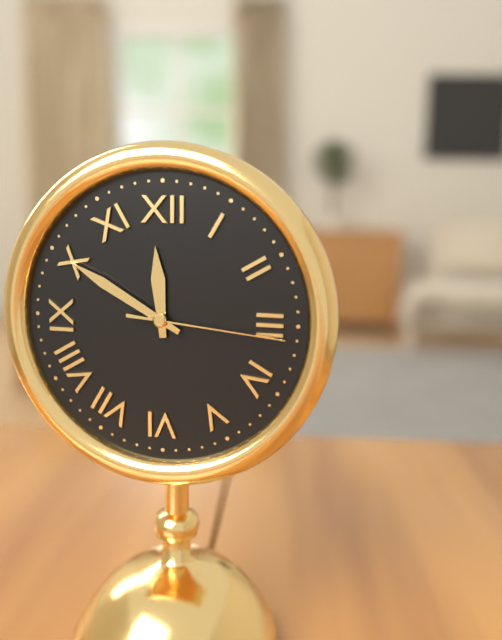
11 h 50 min 16 s
